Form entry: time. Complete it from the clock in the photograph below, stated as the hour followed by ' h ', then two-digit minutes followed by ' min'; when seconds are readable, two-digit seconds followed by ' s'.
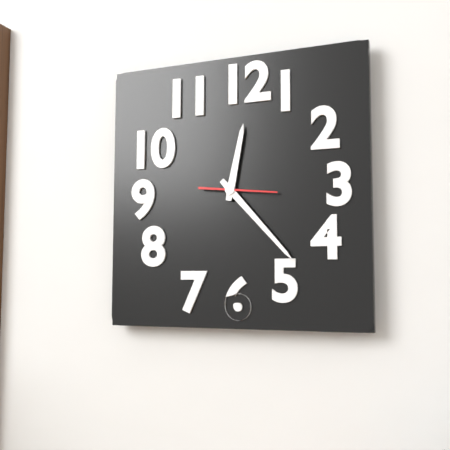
12 h 23 min 16 s
